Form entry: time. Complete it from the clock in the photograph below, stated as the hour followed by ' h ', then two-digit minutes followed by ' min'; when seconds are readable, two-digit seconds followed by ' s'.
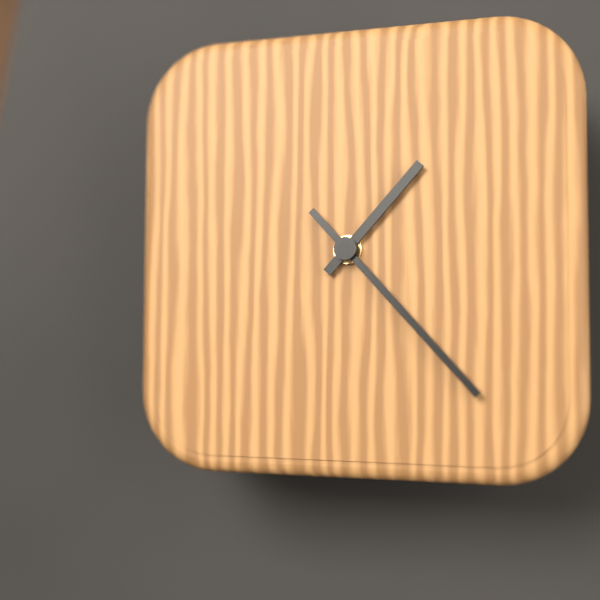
1 h 23 min
